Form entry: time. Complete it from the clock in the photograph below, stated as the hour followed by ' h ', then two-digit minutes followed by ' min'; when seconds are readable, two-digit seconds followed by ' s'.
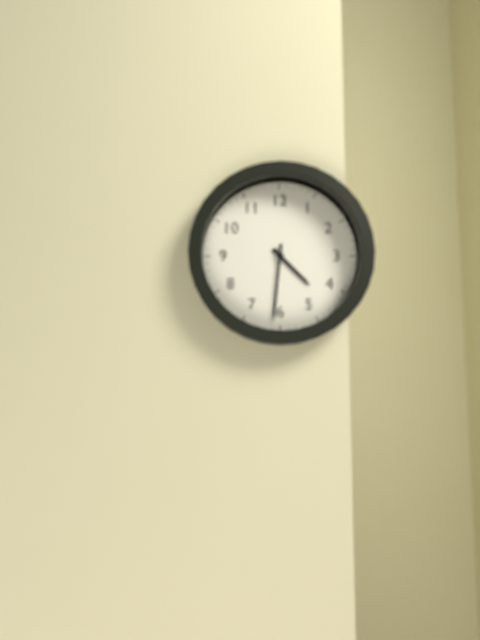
4 h 31 min
